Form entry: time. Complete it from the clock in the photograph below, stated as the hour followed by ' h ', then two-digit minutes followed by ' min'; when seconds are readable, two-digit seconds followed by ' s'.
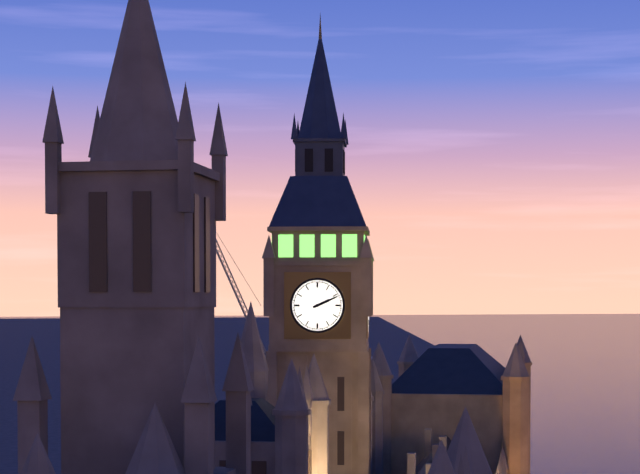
2 h 11 min
